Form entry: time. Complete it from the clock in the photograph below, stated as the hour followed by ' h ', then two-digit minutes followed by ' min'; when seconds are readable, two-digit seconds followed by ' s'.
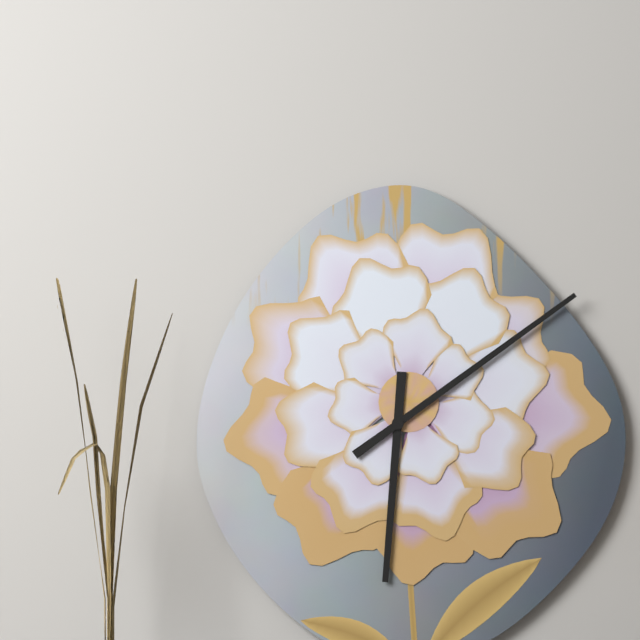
6 h 09 min
